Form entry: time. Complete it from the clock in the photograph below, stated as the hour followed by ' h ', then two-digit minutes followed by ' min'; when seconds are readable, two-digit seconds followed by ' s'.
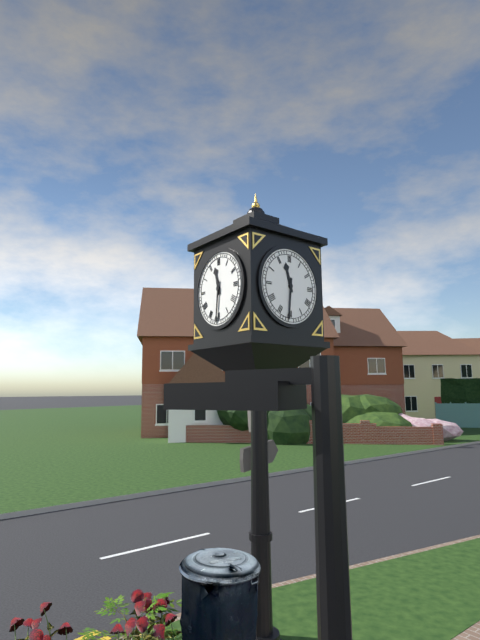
11 h 31 min
